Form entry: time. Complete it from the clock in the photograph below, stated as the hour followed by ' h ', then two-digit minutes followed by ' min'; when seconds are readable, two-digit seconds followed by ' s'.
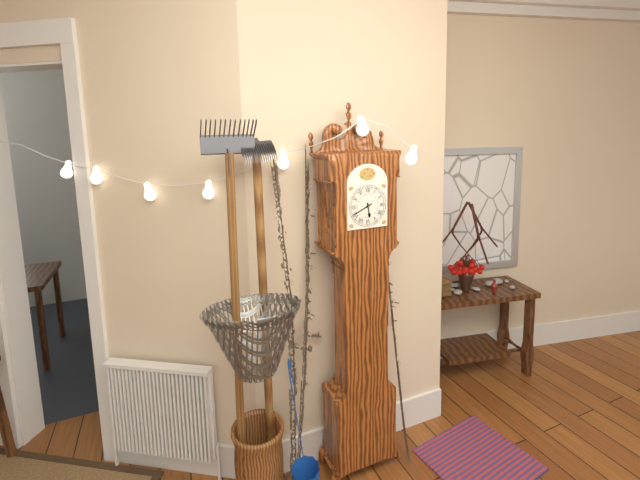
5 h 41 min
